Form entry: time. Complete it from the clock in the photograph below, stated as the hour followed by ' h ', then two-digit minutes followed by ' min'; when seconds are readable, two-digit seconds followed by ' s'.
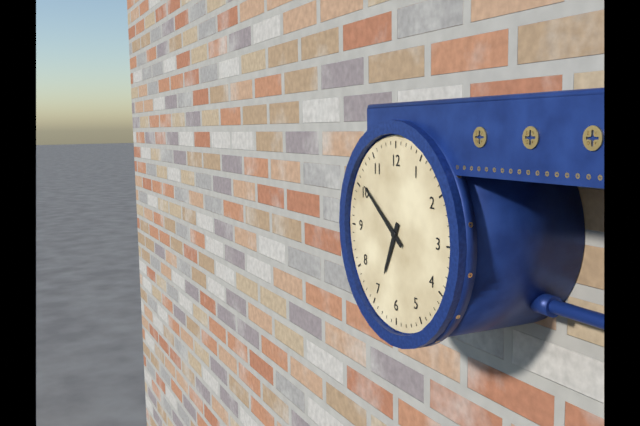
6 h 51 min
